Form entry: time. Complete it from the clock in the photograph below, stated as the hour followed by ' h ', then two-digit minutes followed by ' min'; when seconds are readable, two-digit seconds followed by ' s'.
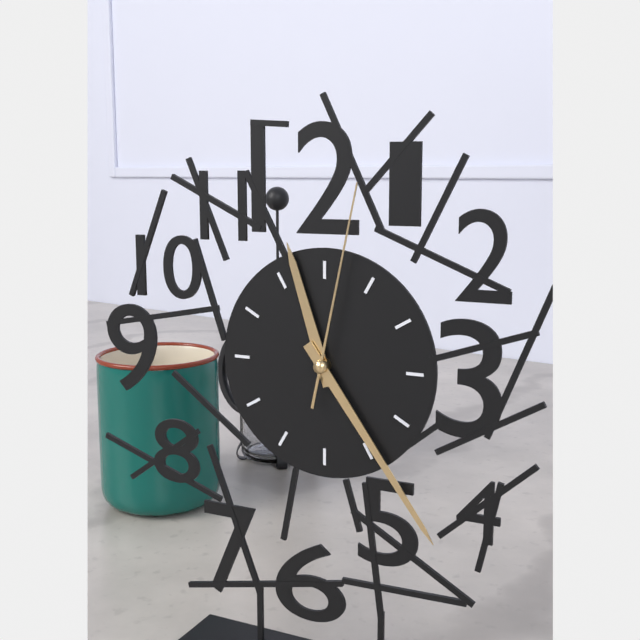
11 h 24 min 02 s
